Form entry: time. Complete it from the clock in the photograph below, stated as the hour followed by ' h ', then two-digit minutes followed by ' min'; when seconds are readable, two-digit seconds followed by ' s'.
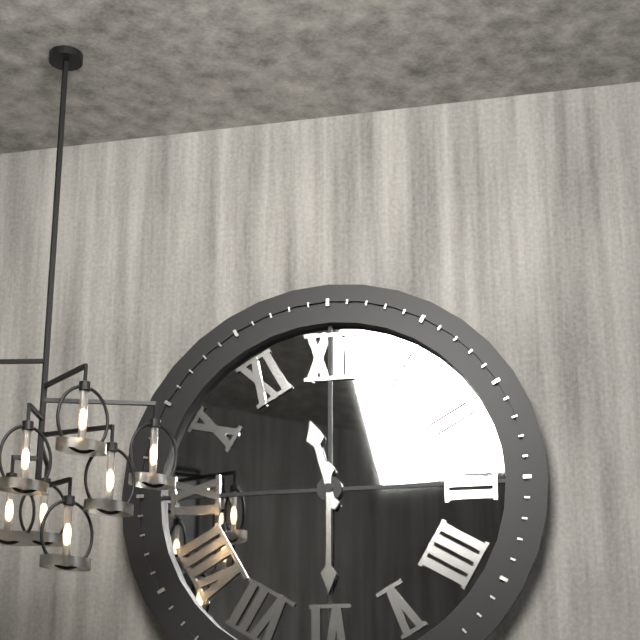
11 h 30 min
